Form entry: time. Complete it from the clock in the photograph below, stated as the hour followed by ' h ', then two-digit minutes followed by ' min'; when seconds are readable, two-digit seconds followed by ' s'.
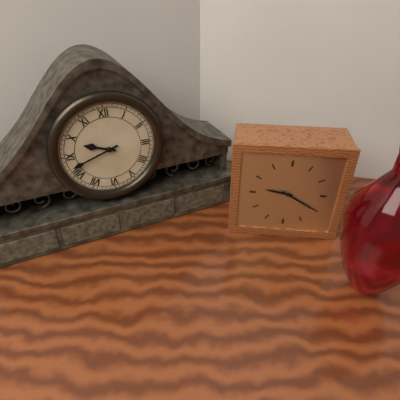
9 h 42 min
